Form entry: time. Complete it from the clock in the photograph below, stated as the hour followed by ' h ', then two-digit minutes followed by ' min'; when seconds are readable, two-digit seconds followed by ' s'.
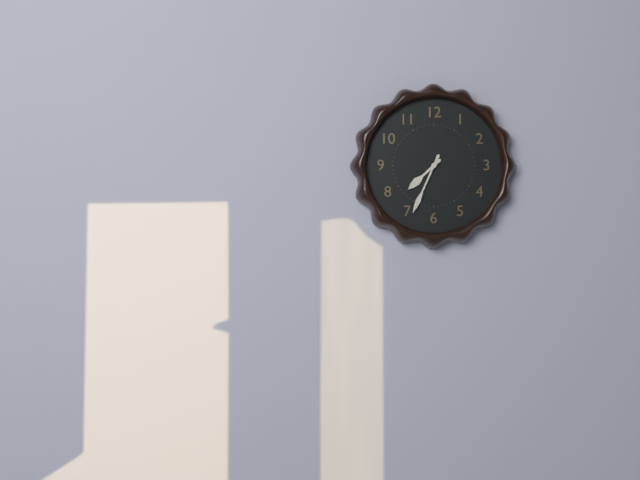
7 h 34 min
